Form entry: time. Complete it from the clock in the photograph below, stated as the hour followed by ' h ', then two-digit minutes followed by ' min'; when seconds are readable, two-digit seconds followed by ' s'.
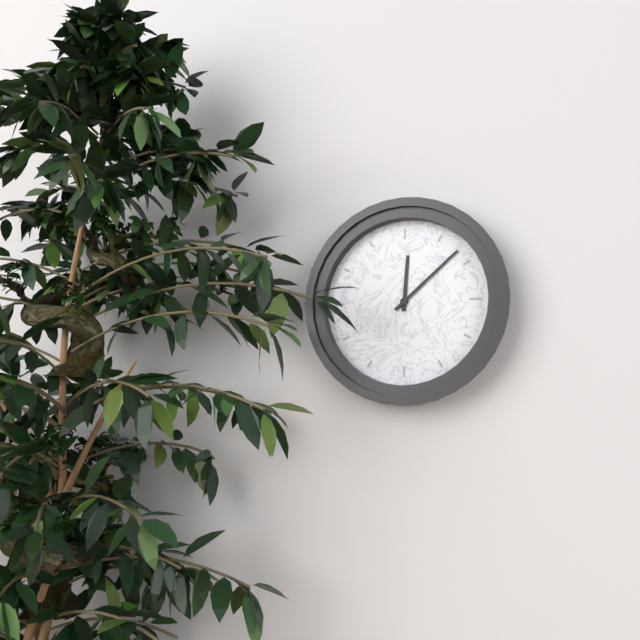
12 h 08 min
